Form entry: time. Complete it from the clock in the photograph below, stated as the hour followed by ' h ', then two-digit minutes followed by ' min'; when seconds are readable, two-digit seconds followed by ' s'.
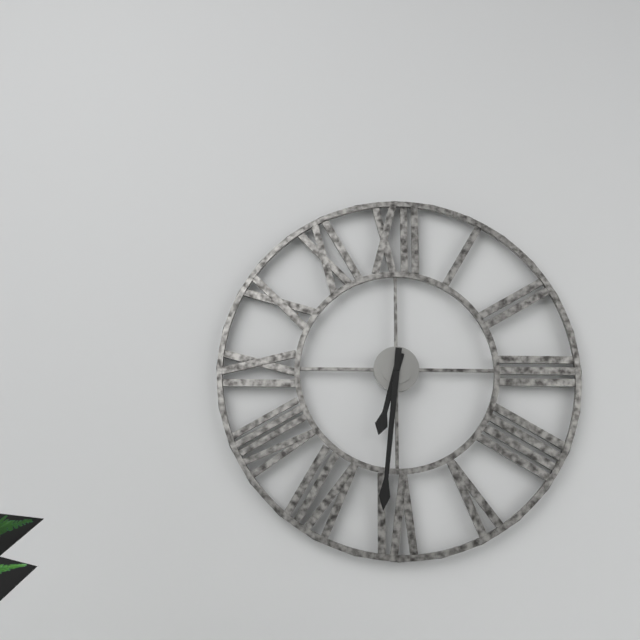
6 h 31 min
